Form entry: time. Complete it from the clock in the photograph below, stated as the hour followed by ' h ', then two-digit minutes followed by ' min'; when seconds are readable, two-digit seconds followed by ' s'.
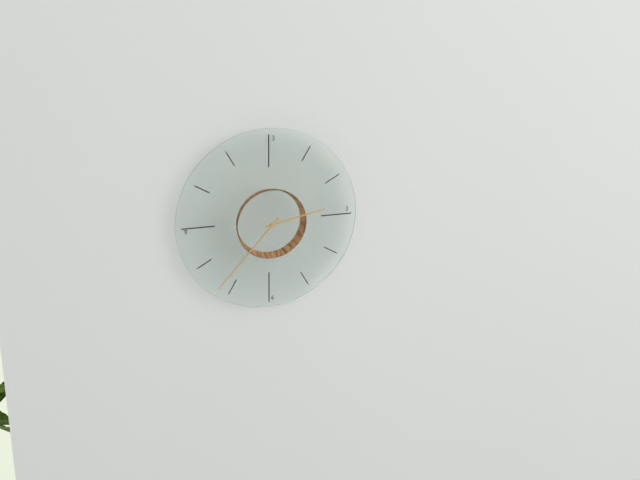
2 h 37 min
